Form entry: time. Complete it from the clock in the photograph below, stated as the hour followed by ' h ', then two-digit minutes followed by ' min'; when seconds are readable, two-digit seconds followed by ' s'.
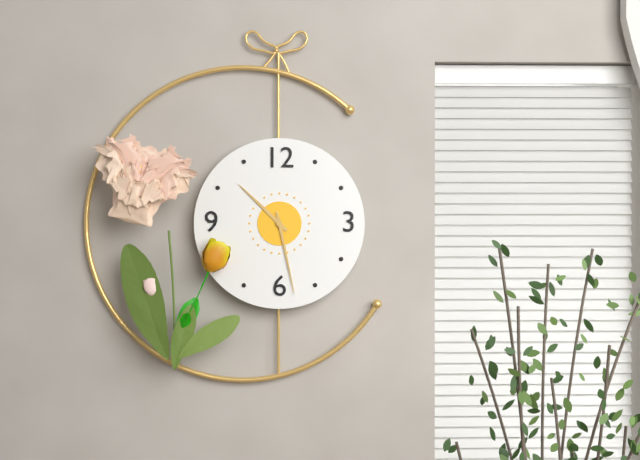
10 h 28 min
